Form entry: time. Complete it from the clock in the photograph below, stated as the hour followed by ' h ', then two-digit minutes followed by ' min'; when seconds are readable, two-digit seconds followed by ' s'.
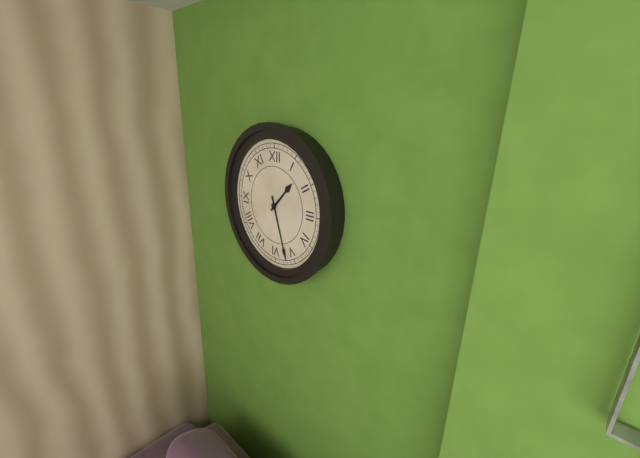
1 h 27 min
